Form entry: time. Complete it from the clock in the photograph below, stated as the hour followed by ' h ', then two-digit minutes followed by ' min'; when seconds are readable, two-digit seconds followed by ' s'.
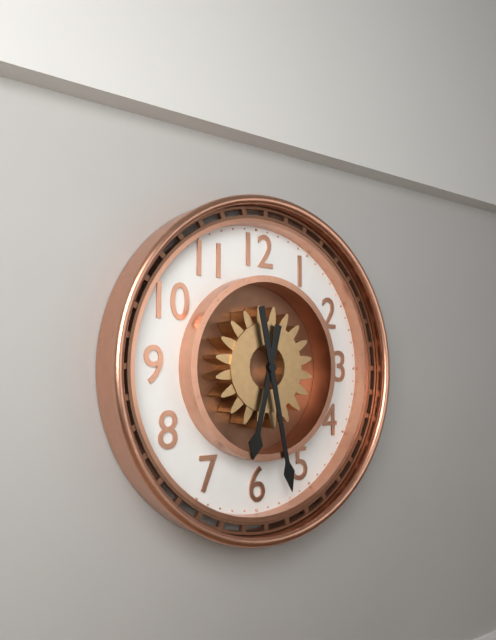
6 h 28 min
